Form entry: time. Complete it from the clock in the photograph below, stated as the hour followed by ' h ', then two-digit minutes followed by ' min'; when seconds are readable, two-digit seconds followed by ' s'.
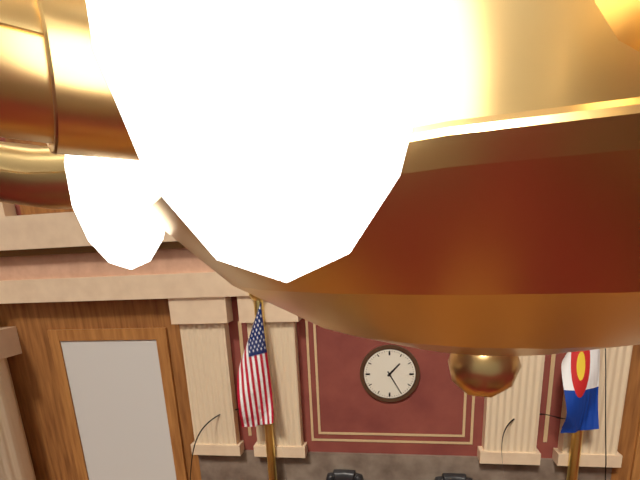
1 h 25 min
